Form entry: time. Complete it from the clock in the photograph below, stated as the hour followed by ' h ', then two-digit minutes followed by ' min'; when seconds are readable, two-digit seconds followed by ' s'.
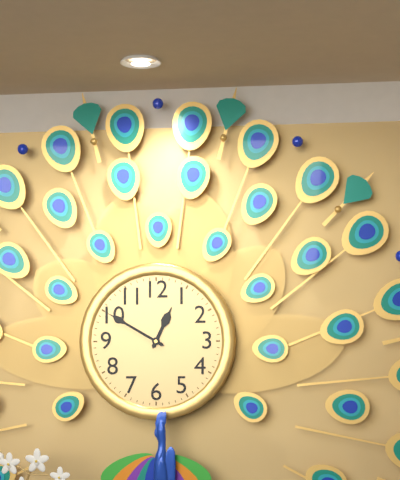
12 h 50 min
